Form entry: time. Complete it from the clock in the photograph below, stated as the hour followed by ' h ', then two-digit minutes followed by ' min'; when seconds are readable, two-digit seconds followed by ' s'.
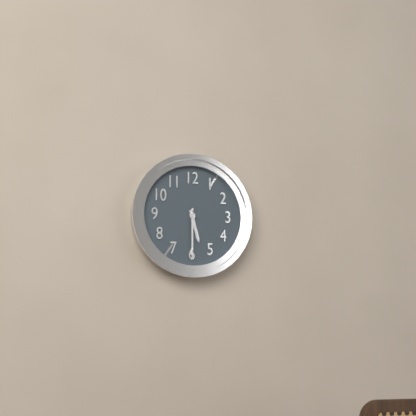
5 h 30 min
